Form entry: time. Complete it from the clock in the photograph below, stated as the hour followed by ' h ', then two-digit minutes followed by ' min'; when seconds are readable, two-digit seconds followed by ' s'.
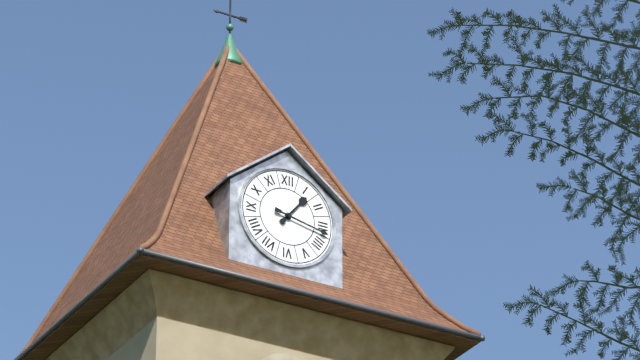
1 h 17 min
